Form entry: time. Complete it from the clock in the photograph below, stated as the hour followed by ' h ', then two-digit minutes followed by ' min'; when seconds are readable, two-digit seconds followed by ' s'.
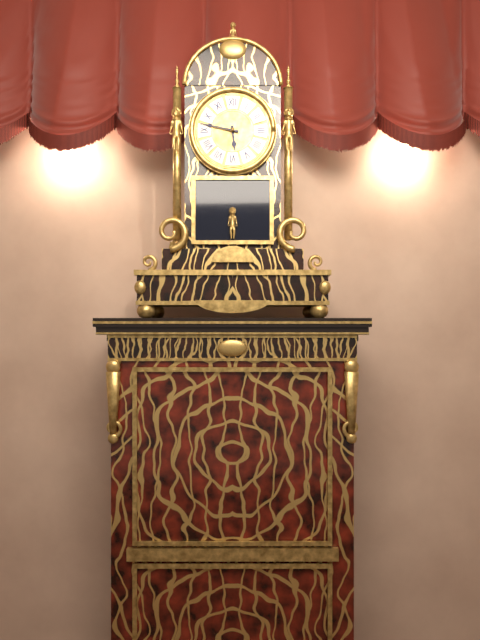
5 h 47 min
